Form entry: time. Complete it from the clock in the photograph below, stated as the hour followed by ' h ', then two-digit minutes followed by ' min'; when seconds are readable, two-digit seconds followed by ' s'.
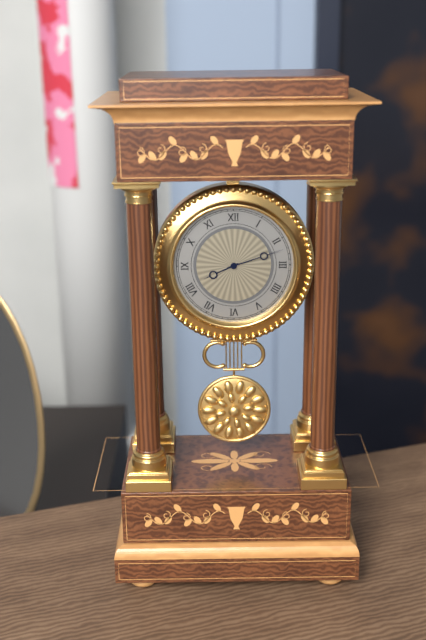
8 h 12 min
